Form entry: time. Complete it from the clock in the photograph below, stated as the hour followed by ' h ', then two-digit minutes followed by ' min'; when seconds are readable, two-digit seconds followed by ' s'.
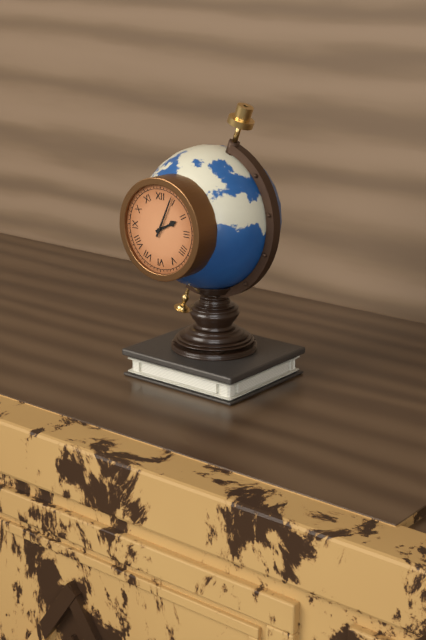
2 h 04 min
